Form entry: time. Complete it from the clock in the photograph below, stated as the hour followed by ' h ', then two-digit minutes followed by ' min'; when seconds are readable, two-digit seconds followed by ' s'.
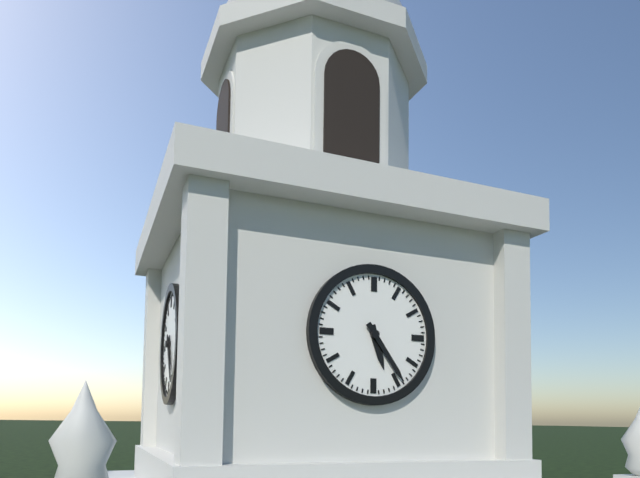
5 h 24 min
